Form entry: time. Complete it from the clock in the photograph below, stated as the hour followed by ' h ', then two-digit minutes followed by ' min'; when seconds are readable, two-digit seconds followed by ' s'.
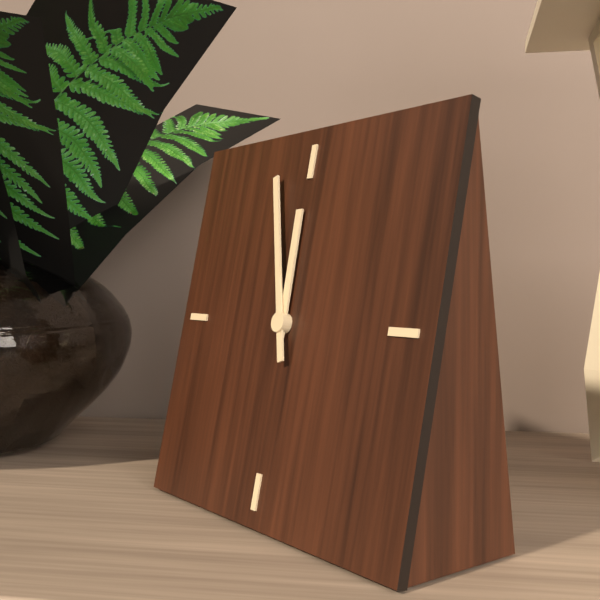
11 h 57 min
